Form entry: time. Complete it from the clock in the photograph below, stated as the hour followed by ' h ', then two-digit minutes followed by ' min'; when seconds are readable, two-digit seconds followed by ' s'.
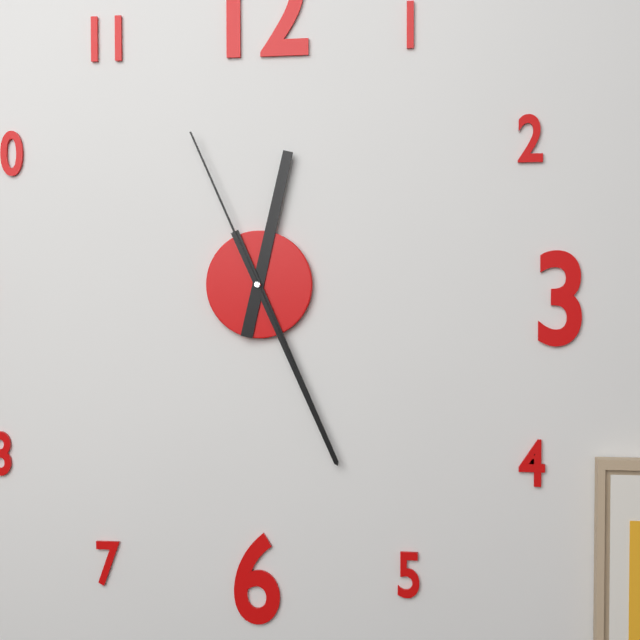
12 h 26 min 56 s
